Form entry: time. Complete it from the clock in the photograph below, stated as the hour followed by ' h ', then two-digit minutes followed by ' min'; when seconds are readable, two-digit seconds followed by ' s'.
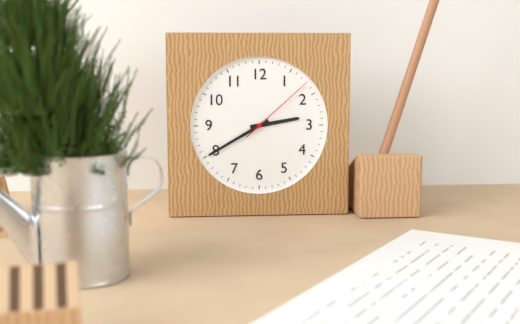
2 h 40 min 08 s
